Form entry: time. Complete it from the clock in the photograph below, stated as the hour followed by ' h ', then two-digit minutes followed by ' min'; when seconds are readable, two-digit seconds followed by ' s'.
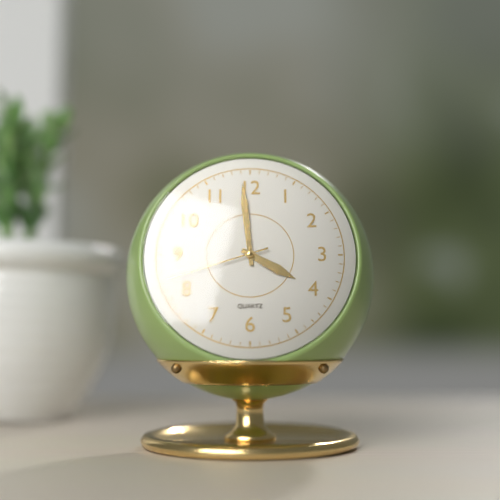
3 h 59 min 42 s
